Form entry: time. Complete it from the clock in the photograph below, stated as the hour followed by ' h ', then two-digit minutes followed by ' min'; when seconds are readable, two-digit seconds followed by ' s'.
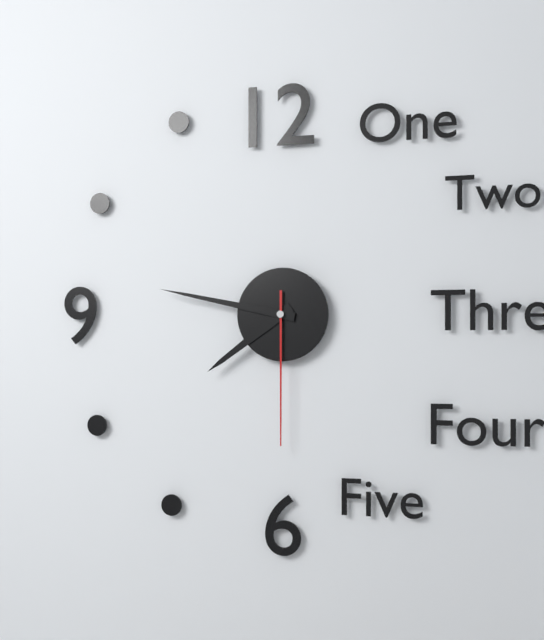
7 h 47 min 30 s
